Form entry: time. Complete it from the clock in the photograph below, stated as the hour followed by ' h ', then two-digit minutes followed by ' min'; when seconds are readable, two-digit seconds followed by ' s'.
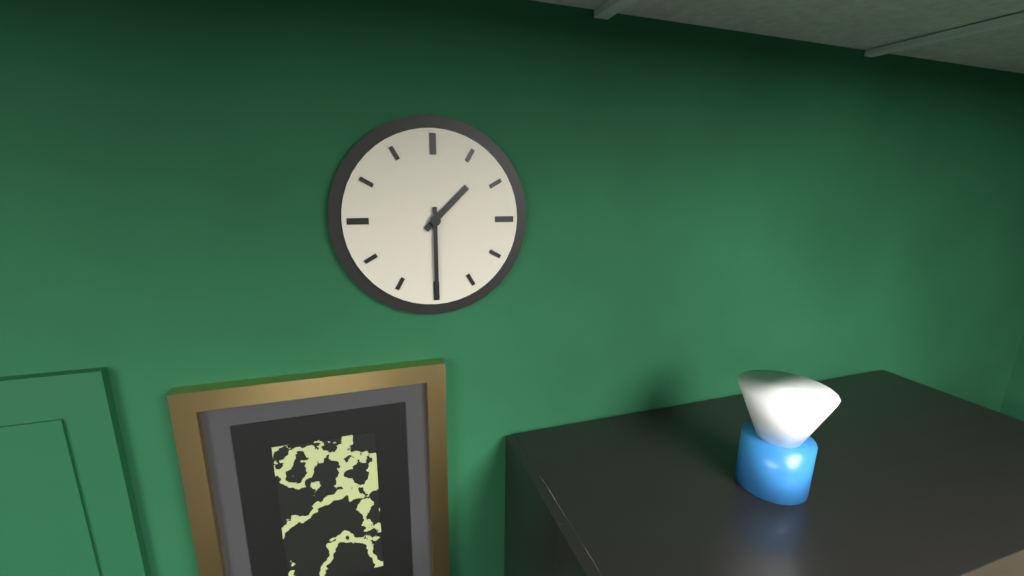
1 h 30 min
